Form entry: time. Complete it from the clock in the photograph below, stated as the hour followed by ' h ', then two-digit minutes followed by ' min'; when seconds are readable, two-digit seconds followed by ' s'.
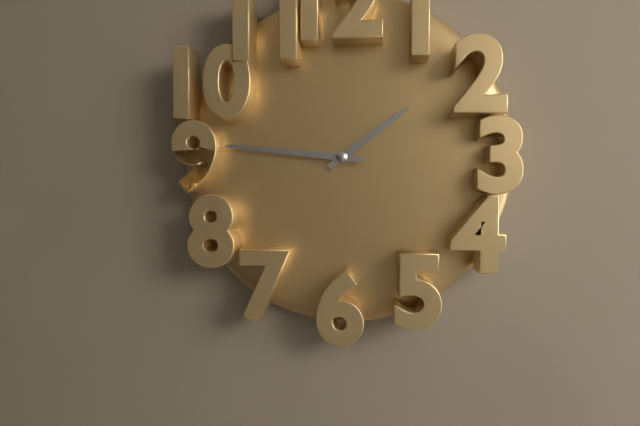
1 h 46 min
